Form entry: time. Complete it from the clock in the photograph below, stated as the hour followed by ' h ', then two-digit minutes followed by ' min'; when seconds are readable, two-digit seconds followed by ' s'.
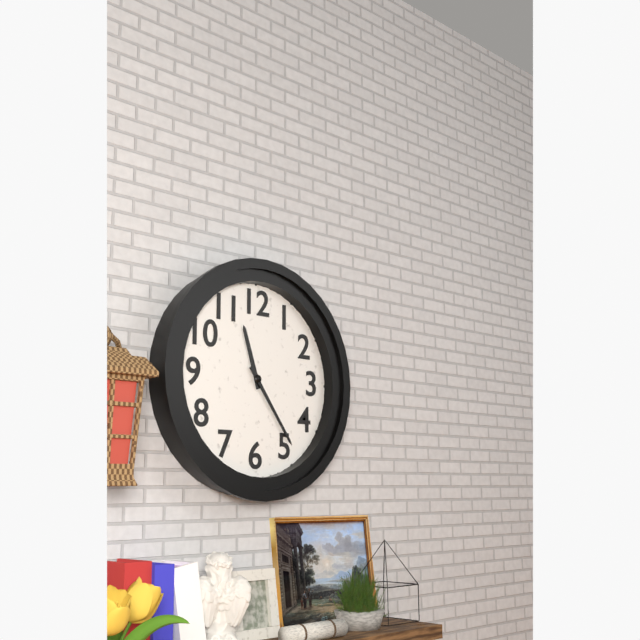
11 h 24 min
